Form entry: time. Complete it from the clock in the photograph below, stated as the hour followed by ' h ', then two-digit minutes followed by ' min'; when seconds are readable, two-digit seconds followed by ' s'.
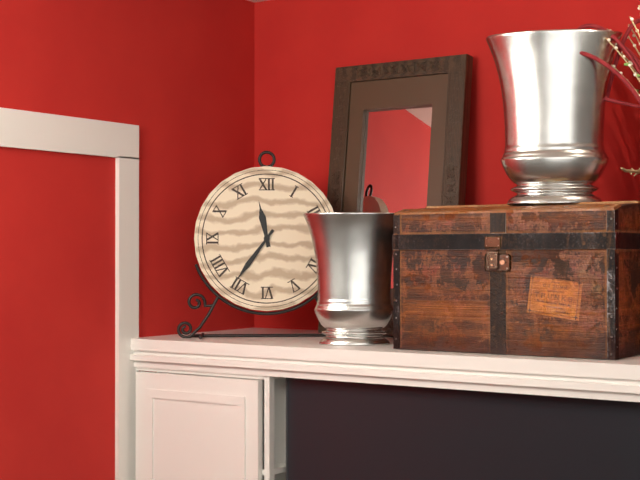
11 h 36 min
